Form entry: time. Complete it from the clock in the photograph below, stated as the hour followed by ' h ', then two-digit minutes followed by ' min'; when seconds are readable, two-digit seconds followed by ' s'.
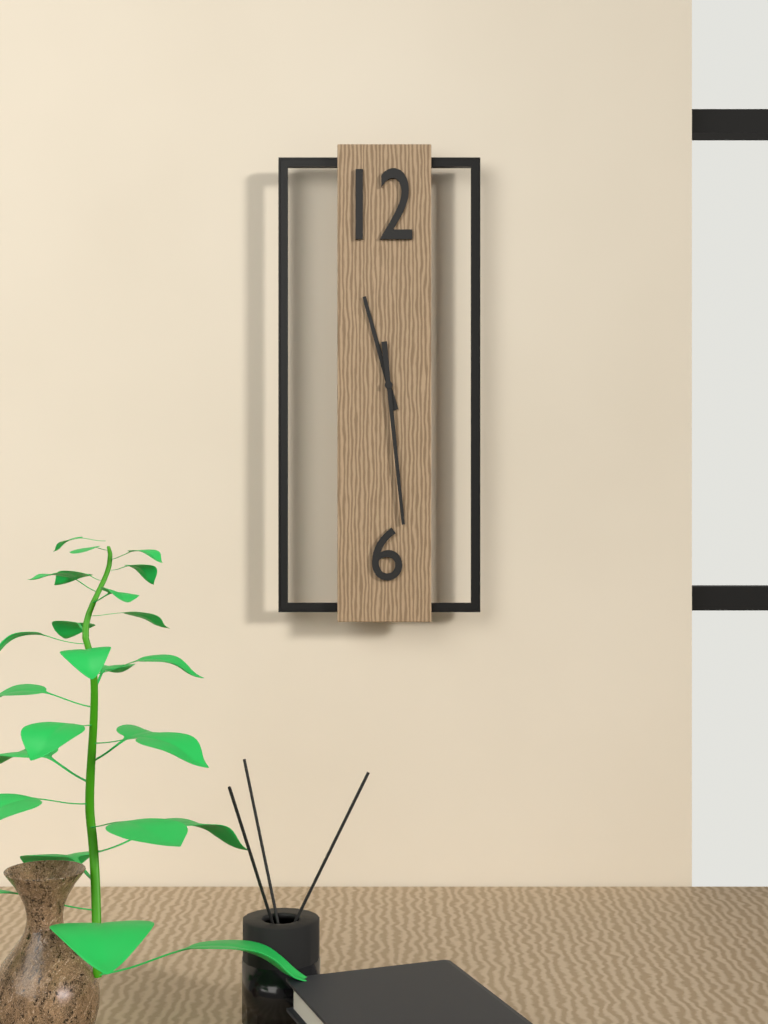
11 h 29 min
